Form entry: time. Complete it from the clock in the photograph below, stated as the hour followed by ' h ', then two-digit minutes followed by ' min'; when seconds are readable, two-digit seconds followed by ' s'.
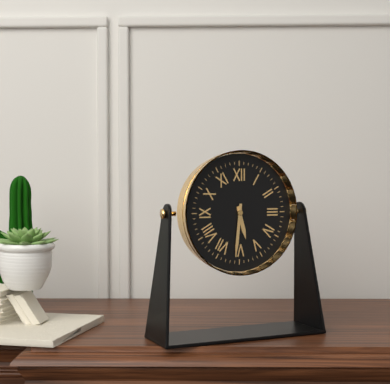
5 h 31 min
